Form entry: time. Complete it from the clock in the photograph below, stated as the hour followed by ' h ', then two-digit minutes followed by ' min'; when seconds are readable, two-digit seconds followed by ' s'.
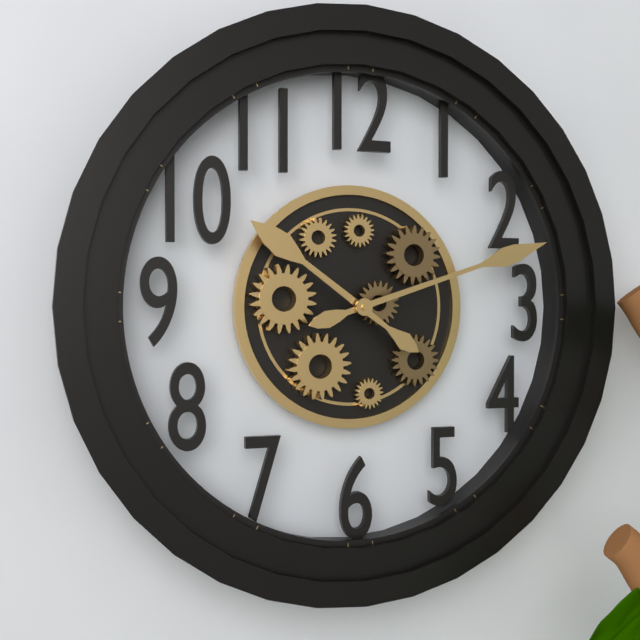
10 h 12 min
